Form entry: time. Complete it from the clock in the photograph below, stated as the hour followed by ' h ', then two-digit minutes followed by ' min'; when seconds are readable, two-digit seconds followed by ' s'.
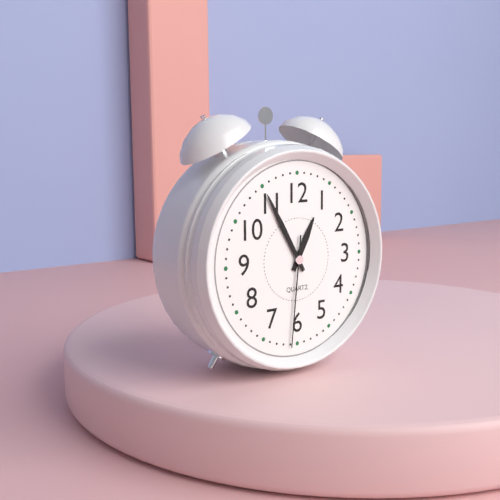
12 h 55 min 31 s
